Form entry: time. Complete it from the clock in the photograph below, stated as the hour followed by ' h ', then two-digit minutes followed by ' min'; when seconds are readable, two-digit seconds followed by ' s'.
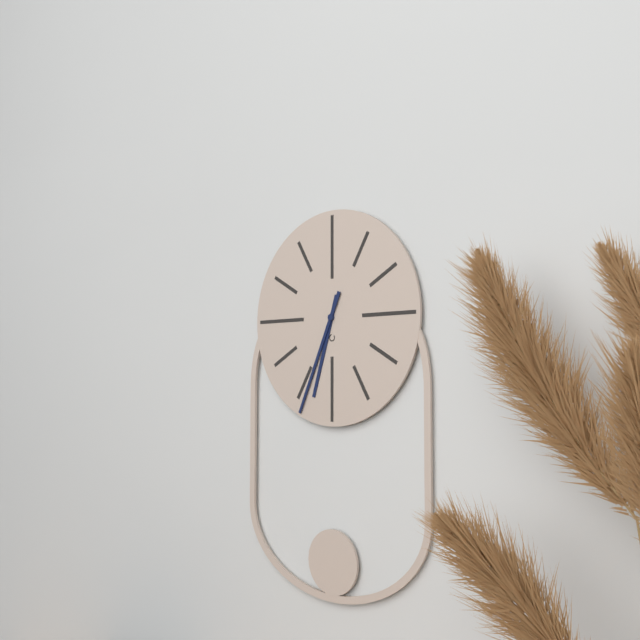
6 h 34 min
